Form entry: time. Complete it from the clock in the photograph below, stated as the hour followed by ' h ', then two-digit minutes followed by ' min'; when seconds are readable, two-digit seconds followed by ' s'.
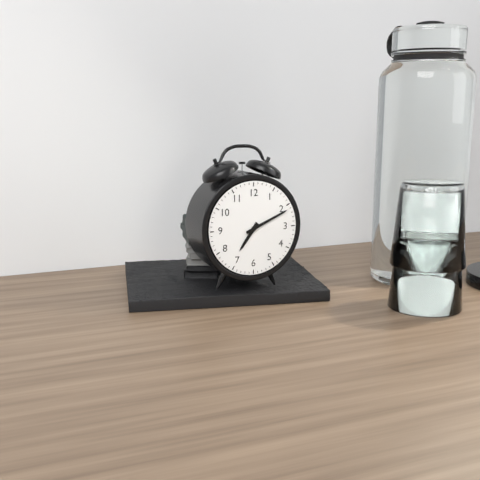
7 h 11 min
